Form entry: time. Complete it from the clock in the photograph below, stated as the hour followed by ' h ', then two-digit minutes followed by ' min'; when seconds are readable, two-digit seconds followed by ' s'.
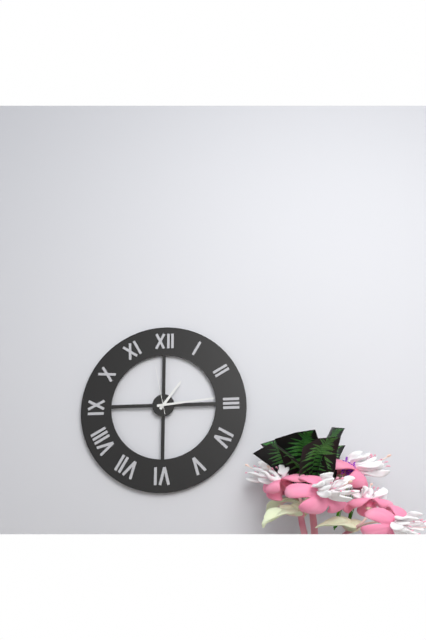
1 h 14 min
